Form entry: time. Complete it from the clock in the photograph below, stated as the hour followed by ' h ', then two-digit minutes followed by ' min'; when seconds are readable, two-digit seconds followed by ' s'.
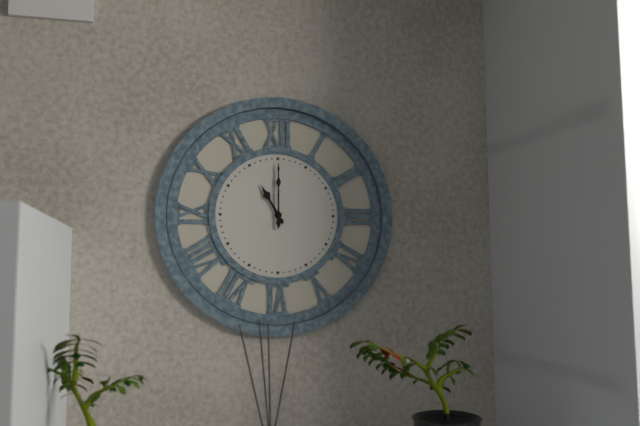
11 h 00 min
